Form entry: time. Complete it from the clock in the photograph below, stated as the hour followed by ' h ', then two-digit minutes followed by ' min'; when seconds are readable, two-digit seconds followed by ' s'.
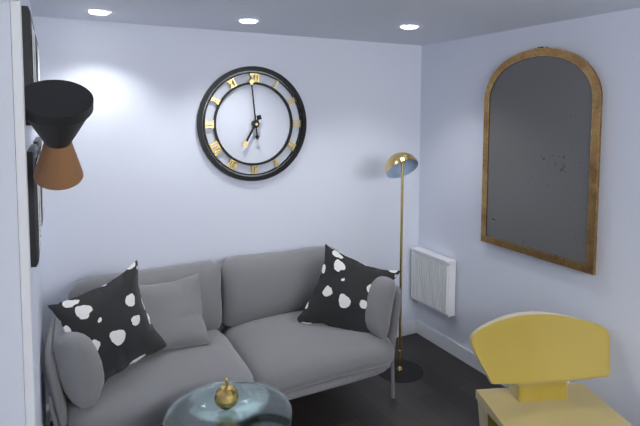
6 h 59 min
